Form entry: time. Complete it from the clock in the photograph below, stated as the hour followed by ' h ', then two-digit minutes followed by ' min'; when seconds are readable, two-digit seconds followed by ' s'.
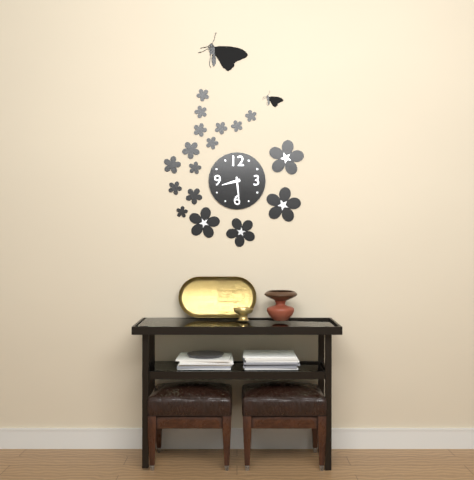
8 h 29 min
